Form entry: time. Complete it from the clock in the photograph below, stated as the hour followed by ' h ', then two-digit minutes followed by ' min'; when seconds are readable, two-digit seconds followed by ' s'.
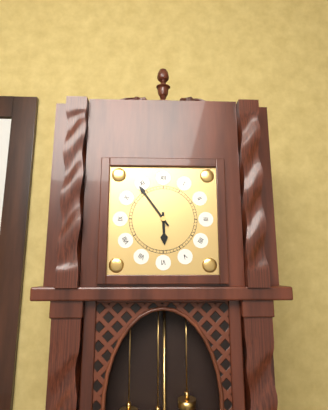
5 h 54 min
